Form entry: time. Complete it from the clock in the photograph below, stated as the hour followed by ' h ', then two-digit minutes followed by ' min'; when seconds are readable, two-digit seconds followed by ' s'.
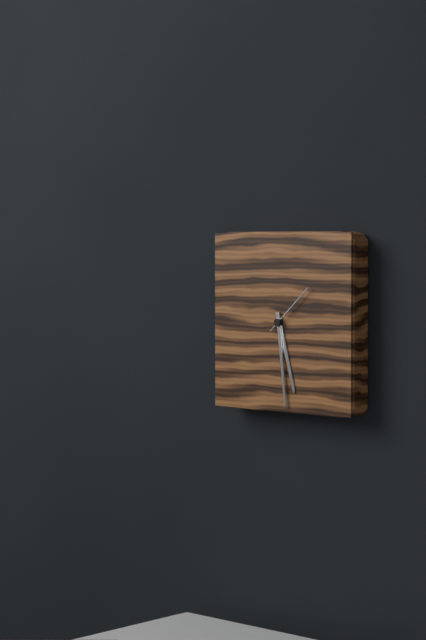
5 h 29 min 08 s
